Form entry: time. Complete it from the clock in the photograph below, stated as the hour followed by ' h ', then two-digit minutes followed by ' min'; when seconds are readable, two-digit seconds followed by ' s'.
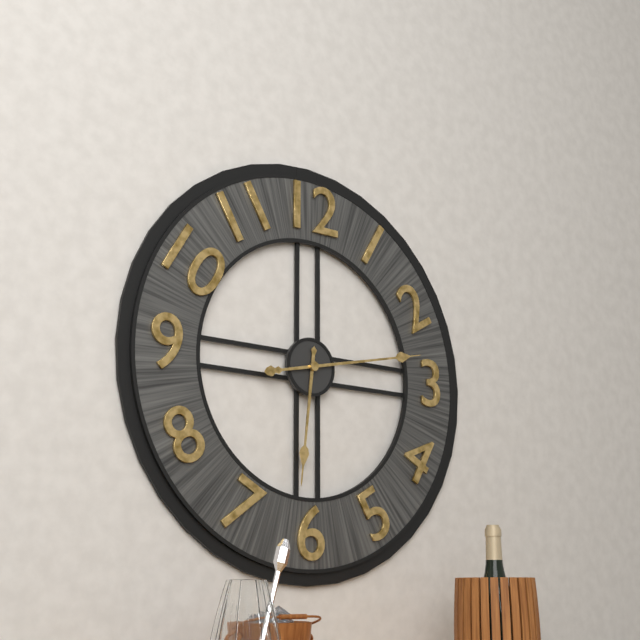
6 h 13 min
